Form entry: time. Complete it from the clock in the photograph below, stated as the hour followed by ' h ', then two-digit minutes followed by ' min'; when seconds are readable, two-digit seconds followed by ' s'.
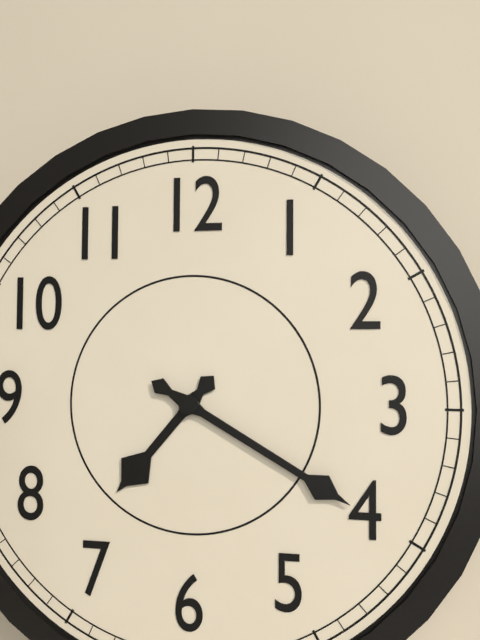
7 h 20 min
